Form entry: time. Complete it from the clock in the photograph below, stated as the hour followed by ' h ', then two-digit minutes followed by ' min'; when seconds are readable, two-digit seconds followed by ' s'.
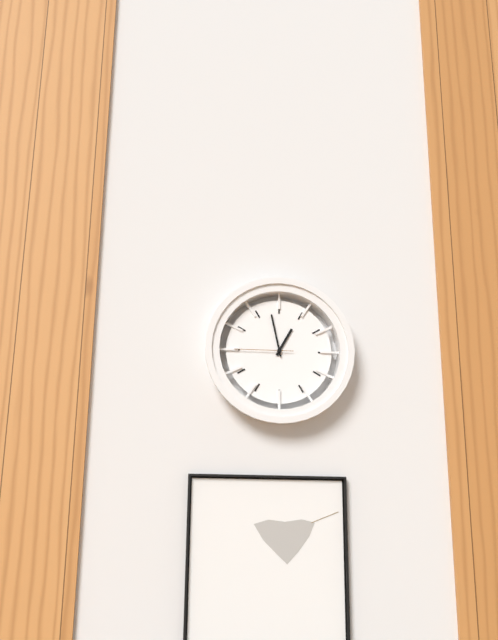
12 h 58 min 45 s
